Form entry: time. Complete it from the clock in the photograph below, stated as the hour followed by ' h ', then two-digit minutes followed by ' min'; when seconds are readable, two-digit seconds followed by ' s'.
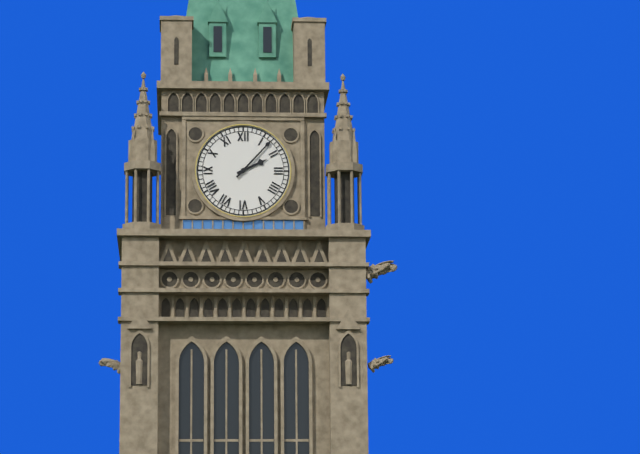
2 h 07 min
